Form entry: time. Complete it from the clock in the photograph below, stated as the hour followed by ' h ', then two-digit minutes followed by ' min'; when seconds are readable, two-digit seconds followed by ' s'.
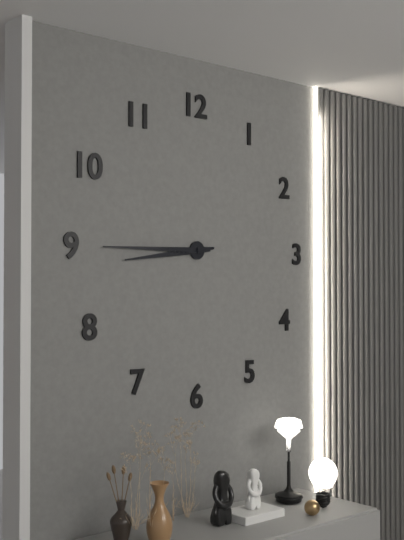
8 h 45 min
